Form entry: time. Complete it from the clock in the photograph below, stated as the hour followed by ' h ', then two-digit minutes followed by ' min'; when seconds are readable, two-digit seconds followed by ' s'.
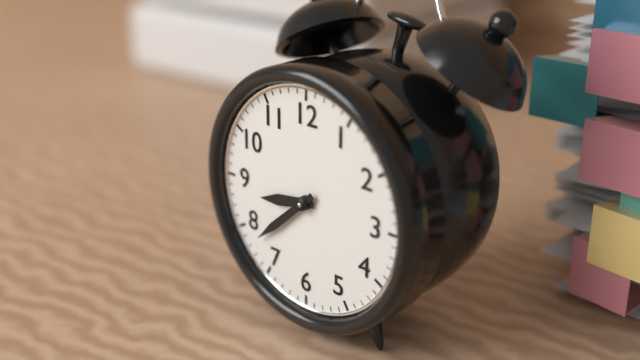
8 h 38 min
